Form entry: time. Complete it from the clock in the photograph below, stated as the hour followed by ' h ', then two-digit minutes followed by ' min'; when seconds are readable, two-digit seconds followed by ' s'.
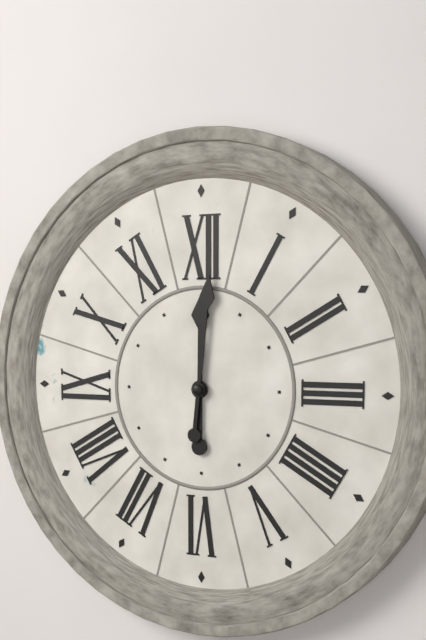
12 h 01 min
